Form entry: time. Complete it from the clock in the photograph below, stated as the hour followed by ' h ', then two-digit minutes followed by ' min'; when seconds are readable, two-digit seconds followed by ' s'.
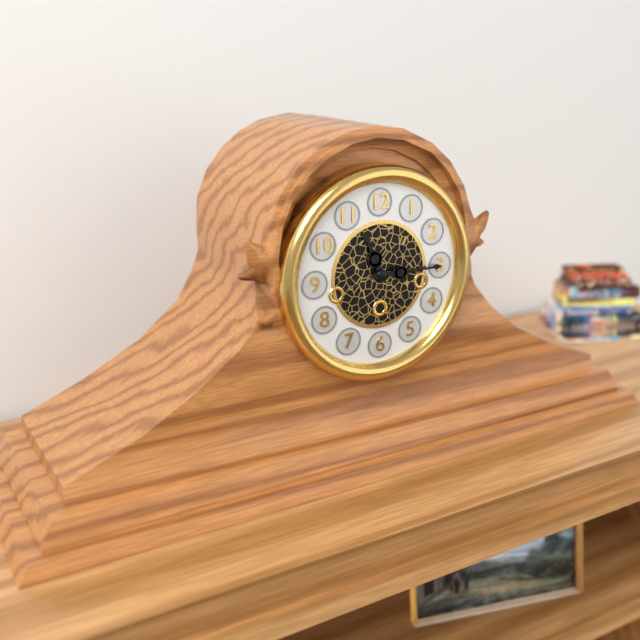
11 h 15 min
